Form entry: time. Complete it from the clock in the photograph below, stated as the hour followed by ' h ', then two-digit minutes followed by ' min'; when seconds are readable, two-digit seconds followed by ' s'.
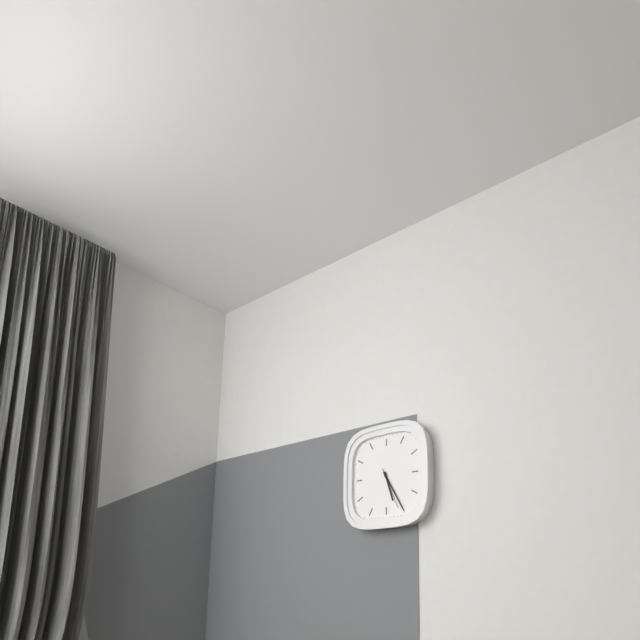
5 h 25 min
